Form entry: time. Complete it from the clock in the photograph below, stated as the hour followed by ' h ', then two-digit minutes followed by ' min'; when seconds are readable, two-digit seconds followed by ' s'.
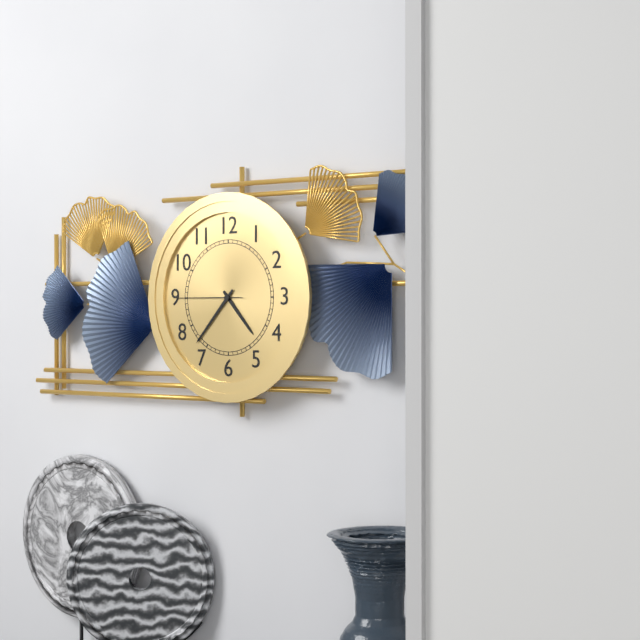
4 h 37 min 45 s
